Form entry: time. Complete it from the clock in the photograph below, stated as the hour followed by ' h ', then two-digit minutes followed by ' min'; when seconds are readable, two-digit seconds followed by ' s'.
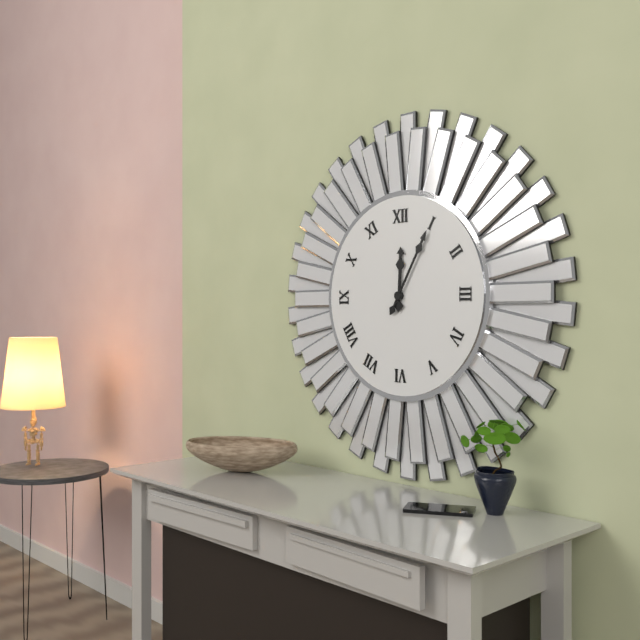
12 h 05 min
